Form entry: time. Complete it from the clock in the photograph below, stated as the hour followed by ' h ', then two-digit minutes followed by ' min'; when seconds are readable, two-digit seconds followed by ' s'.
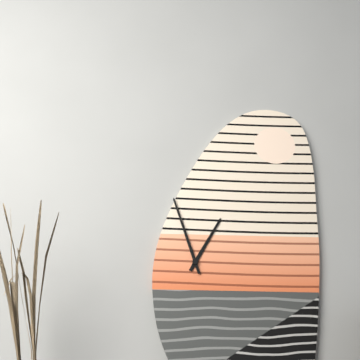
12 h 57 min
